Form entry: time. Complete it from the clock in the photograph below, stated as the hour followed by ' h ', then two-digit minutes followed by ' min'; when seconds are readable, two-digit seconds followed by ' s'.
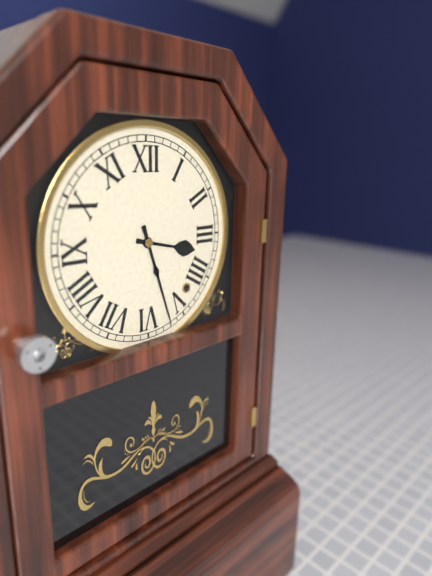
3 h 27 min
